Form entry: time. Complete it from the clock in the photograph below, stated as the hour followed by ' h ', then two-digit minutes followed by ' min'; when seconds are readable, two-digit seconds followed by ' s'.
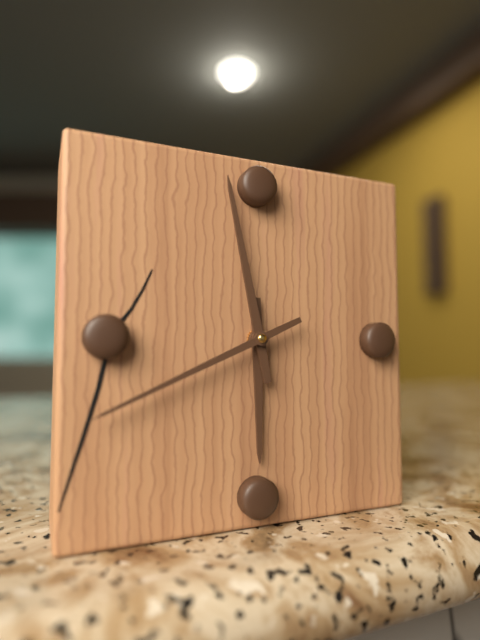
5 h 58 min 41 s
